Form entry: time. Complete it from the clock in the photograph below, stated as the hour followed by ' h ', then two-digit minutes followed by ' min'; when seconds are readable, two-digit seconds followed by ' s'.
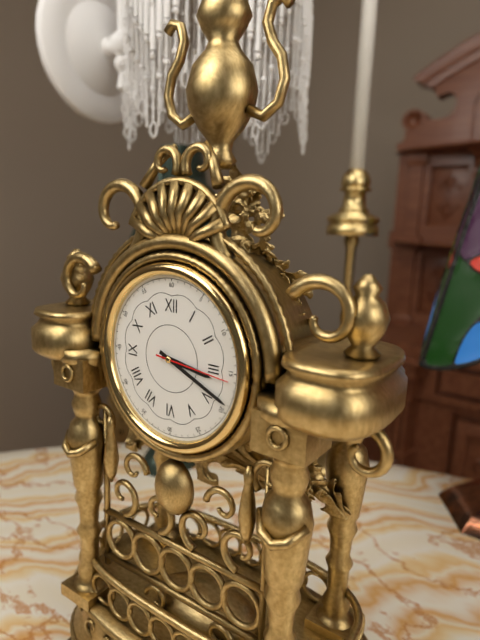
3 h 19 min 16 s
